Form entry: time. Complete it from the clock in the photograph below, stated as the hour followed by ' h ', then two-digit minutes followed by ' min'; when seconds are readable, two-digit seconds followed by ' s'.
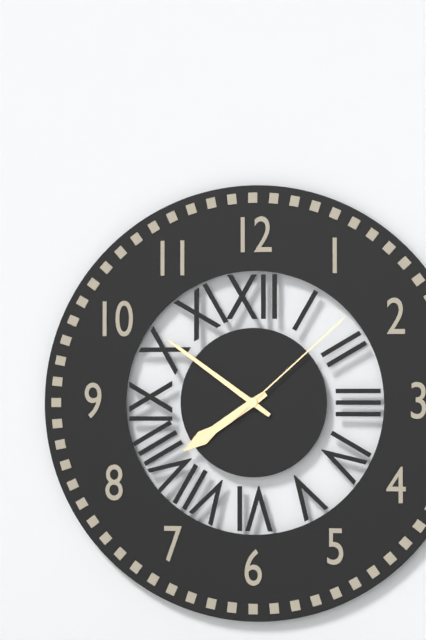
7 h 51 min 08 s
